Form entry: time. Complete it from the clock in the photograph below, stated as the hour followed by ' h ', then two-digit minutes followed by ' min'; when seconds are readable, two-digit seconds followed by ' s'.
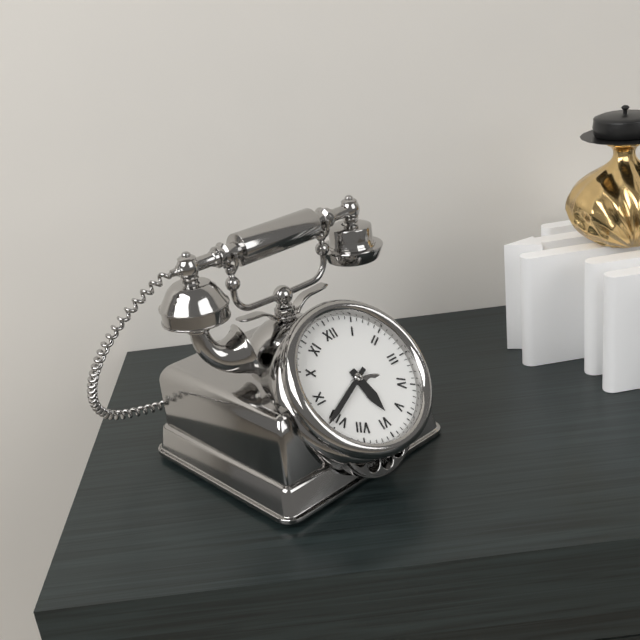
5 h 41 min
